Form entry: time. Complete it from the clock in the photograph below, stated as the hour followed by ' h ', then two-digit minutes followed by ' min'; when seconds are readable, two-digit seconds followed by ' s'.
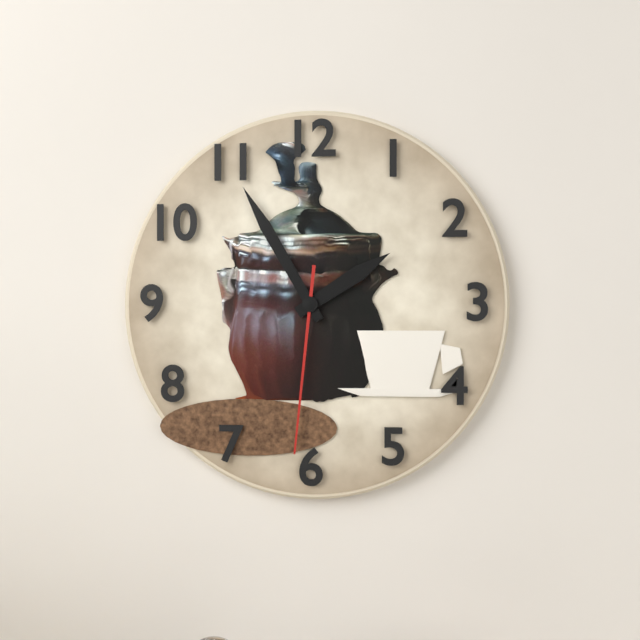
1 h 55 min 31 s
